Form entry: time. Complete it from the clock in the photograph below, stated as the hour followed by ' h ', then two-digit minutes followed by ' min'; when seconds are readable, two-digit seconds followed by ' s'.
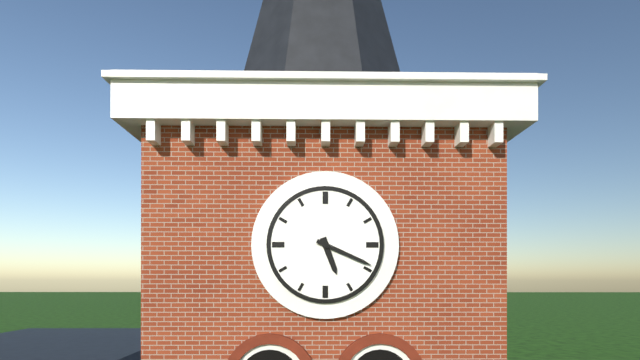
5 h 19 min
